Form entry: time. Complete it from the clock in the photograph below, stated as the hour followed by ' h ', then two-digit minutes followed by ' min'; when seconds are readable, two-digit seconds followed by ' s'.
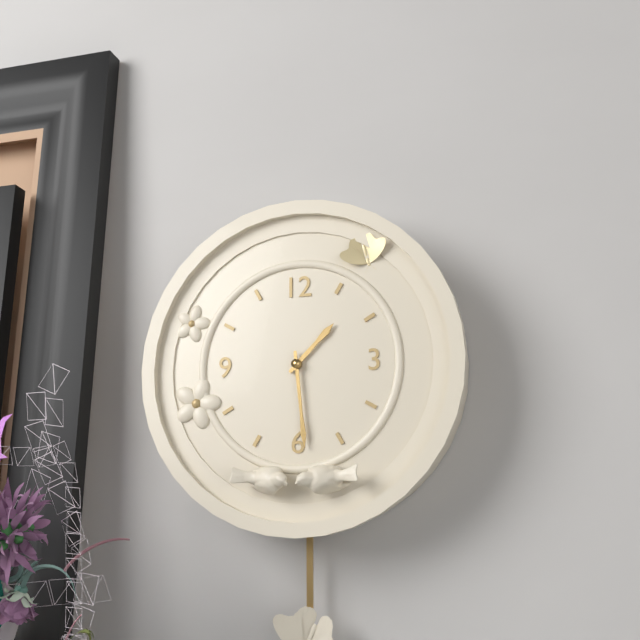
1 h 29 min
